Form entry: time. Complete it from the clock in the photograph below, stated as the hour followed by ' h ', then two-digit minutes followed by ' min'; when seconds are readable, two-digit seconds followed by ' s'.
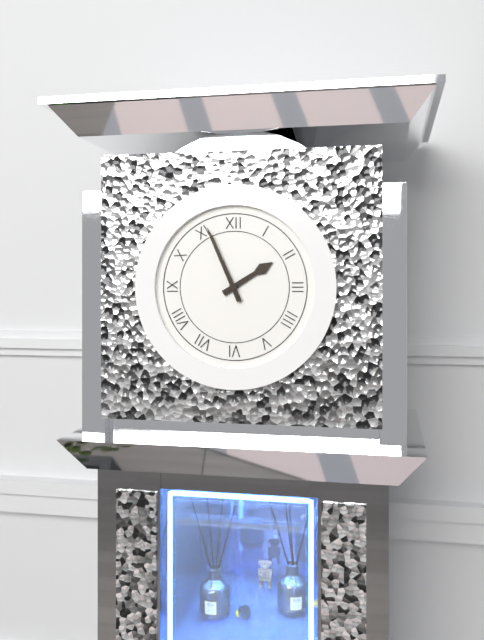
1 h 56 min
